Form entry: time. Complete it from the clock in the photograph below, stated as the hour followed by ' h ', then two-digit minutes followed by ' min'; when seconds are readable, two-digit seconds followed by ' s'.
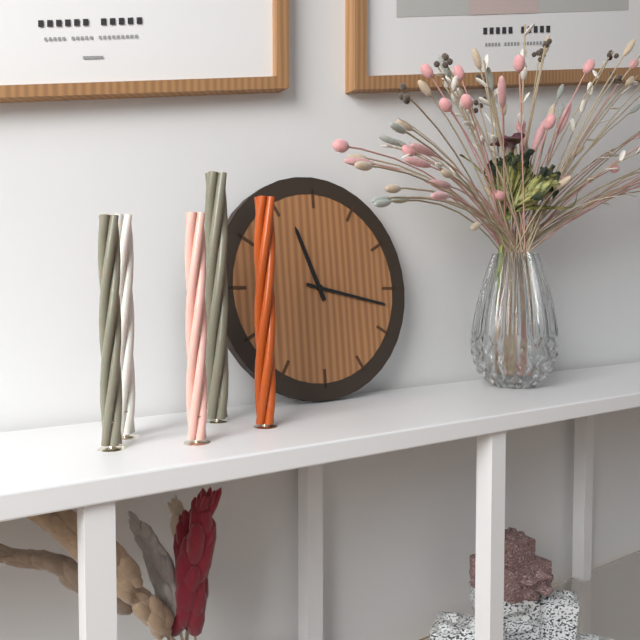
11 h 17 min
